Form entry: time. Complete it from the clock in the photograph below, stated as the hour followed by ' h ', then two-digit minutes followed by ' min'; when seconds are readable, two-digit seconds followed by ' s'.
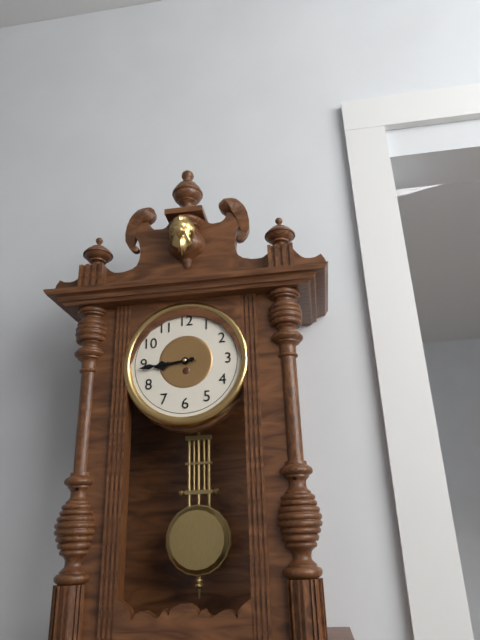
8 h 44 min
